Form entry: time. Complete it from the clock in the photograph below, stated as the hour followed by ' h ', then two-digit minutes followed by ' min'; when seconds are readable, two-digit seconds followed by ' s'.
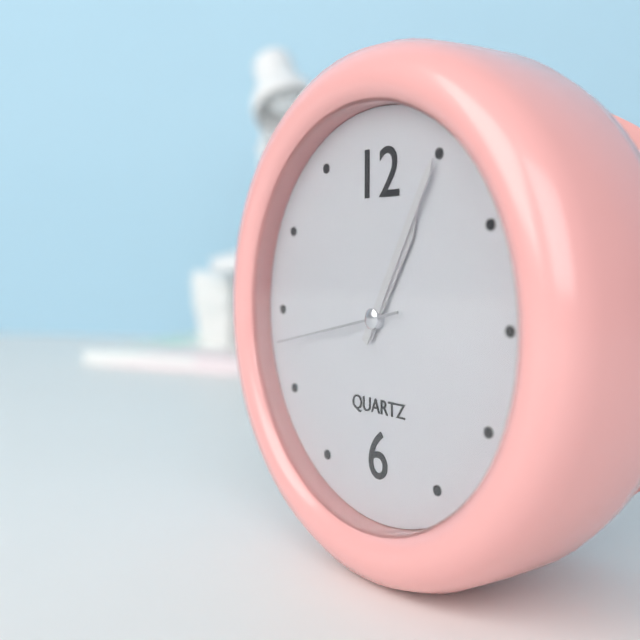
1 h 05 min 43 s
